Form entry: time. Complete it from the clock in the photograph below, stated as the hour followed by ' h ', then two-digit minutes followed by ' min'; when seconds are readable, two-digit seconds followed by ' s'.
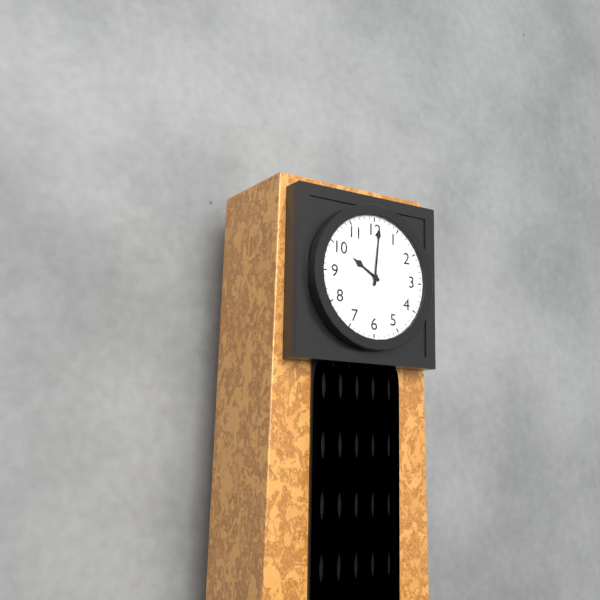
10 h 01 min
